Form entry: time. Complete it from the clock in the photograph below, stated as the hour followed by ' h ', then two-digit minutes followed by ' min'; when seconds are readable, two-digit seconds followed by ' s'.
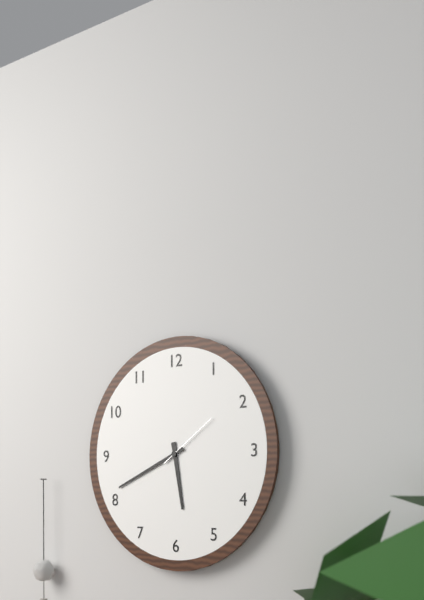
5 h 41 min 09 s
